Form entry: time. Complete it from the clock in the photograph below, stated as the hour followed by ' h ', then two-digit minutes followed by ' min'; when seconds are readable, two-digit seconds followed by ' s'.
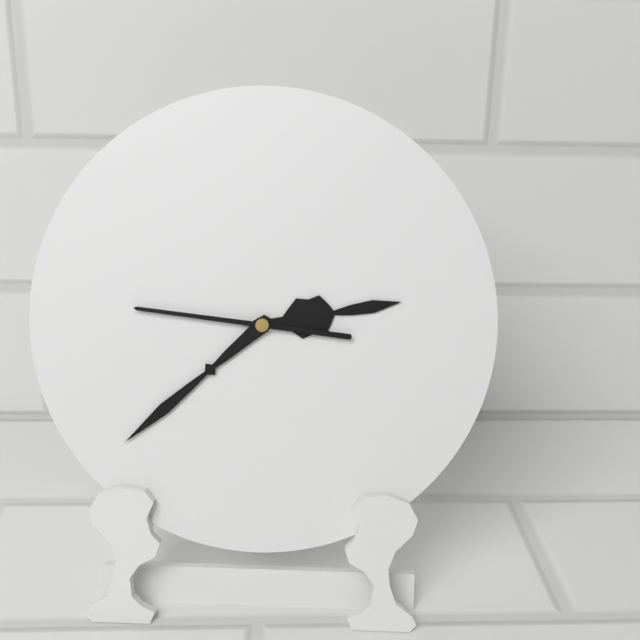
2 h 38 min 46 s
